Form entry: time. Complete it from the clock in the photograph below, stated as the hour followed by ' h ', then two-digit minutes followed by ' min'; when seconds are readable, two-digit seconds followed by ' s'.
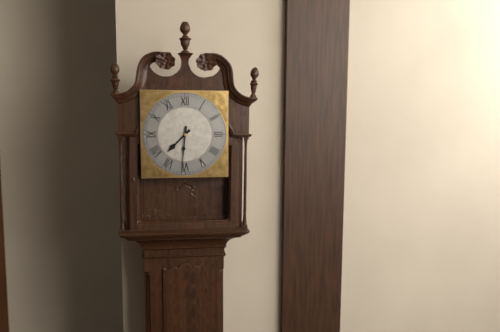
7 h 31 min
